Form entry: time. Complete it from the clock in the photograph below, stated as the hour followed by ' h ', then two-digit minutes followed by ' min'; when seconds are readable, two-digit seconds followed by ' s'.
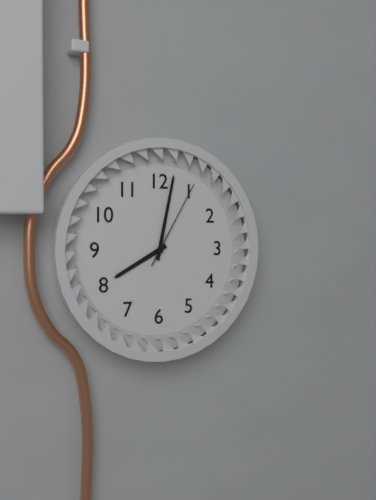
8 h 02 min 05 s
